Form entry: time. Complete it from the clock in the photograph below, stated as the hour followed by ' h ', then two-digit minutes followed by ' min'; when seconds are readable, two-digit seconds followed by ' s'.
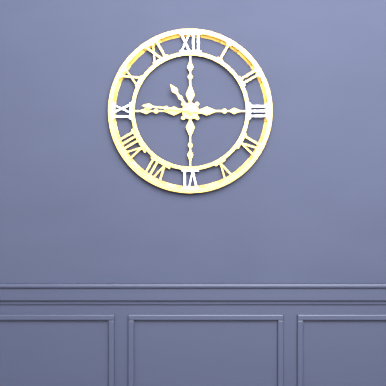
10 h 46 min
